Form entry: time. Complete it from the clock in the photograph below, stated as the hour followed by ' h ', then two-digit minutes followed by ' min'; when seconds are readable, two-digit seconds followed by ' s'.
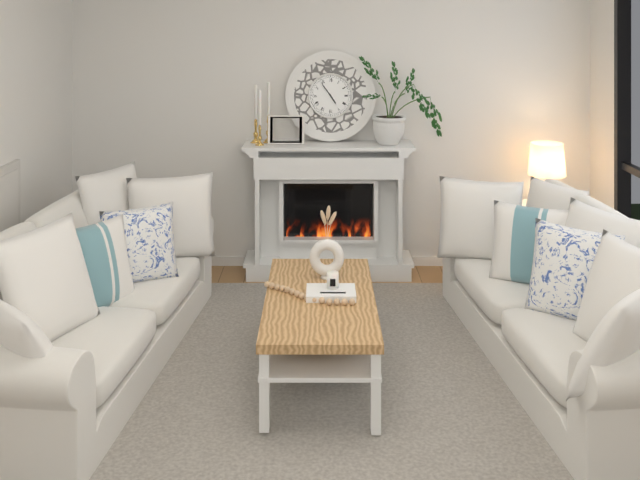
4 h 54 min
